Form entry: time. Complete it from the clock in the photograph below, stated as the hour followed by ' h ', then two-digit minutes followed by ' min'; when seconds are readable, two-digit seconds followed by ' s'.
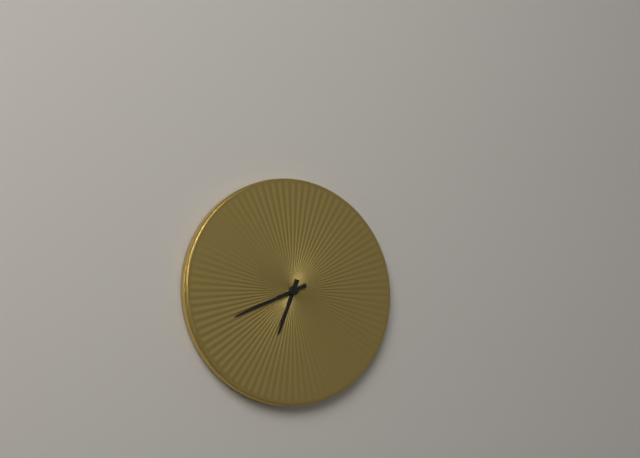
6 h 41 min
